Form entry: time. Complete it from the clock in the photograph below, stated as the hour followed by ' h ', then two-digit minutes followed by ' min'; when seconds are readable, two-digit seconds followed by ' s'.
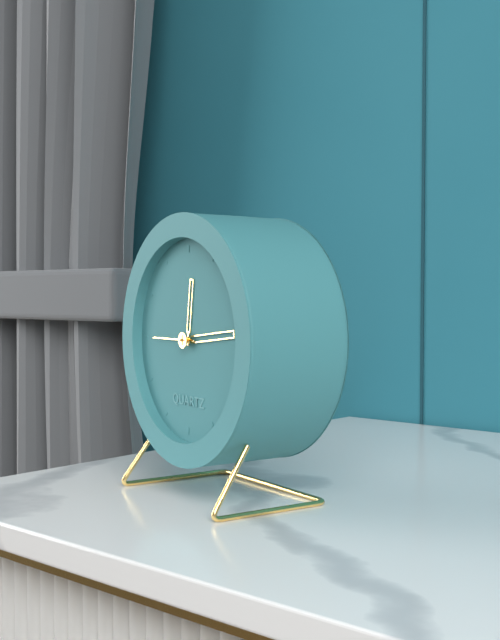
12 h 14 min
